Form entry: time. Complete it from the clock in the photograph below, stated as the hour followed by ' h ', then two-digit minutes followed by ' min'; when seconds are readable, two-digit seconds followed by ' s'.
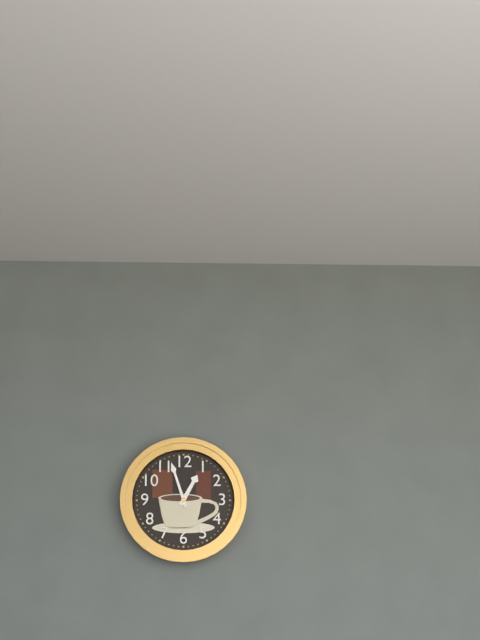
12 h 57 min
